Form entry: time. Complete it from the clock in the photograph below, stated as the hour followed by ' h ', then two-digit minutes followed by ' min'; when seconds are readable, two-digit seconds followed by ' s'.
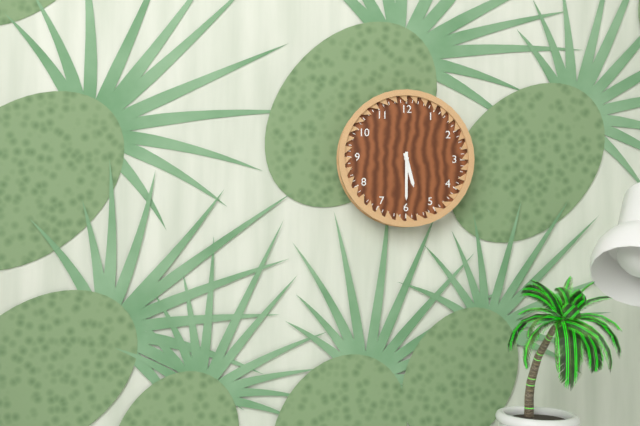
5 h 30 min
